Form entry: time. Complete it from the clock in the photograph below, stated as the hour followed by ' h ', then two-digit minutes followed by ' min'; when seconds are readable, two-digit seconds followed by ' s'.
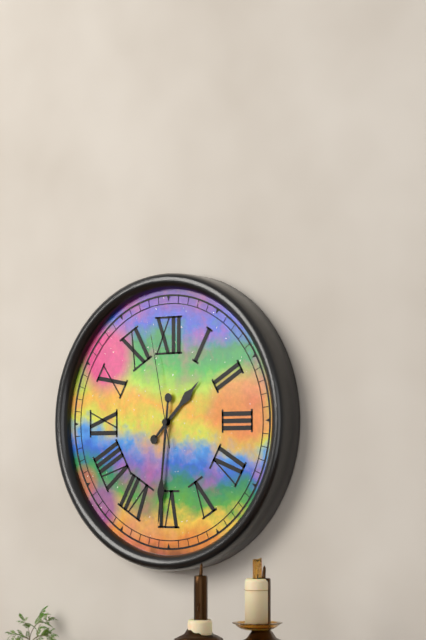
1 h 31 min 58 s
